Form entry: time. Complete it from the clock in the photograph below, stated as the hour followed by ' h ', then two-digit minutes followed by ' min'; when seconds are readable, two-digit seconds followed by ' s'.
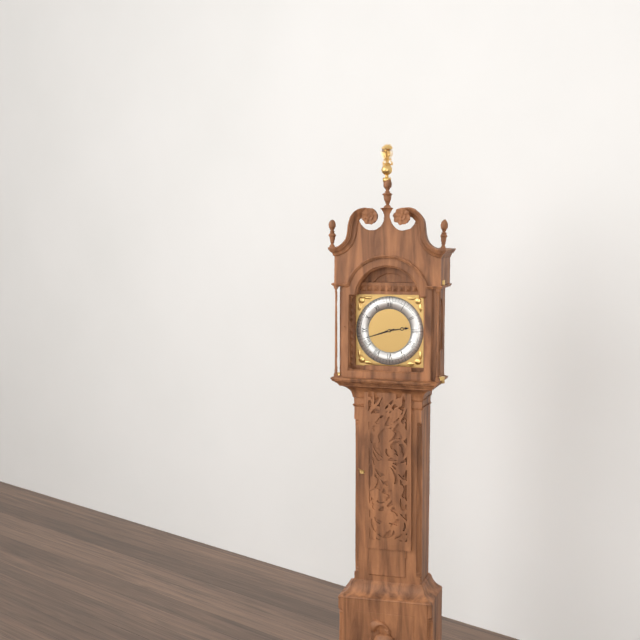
2 h 42 min
